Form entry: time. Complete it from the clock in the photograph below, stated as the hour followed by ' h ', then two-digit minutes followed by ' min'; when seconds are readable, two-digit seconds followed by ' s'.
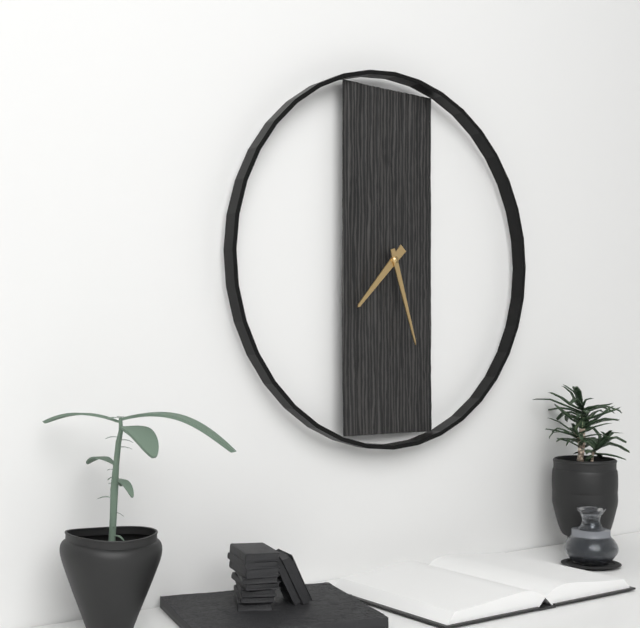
7 h 27 min
